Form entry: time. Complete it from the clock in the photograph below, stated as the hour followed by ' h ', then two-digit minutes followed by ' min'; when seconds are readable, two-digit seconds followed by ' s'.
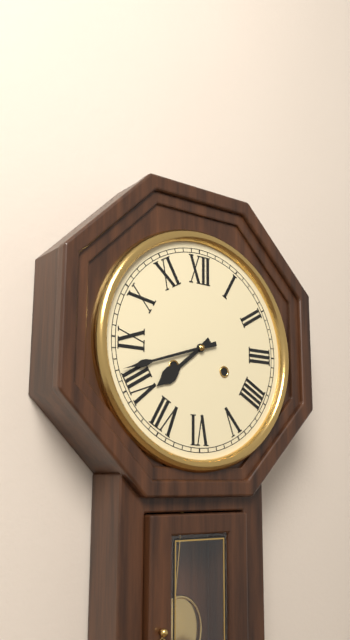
7 h 42 min
